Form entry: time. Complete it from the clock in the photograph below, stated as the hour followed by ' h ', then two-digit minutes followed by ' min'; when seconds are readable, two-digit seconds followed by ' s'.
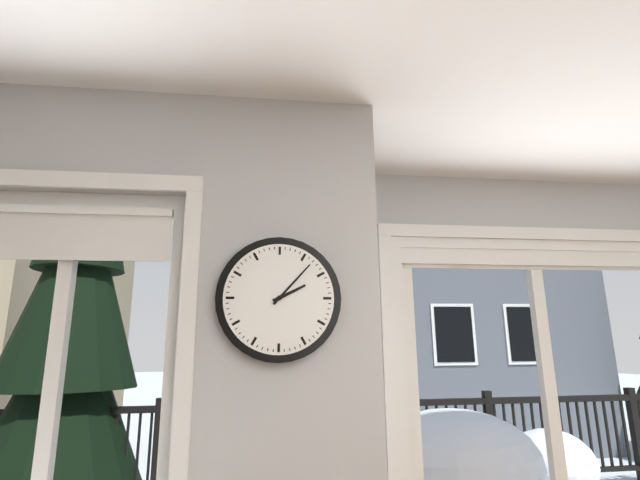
2 h 07 min
